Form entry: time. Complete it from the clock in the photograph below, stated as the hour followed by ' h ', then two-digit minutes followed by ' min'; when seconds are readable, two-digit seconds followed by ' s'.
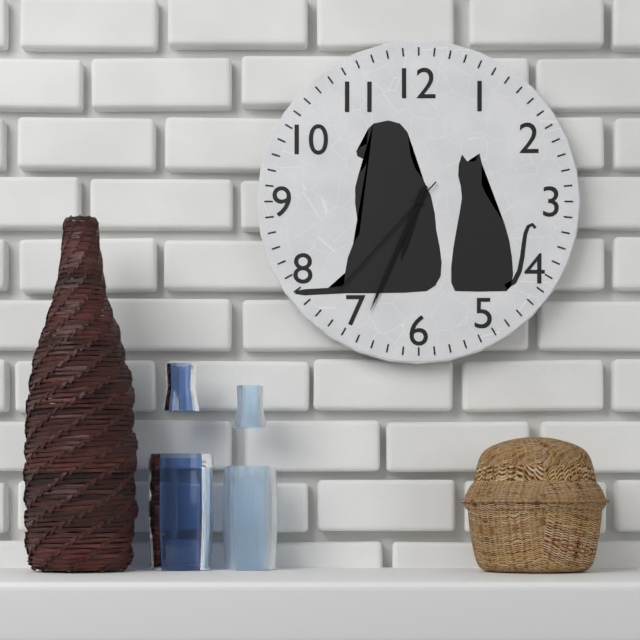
6 h 34 min 37 s
